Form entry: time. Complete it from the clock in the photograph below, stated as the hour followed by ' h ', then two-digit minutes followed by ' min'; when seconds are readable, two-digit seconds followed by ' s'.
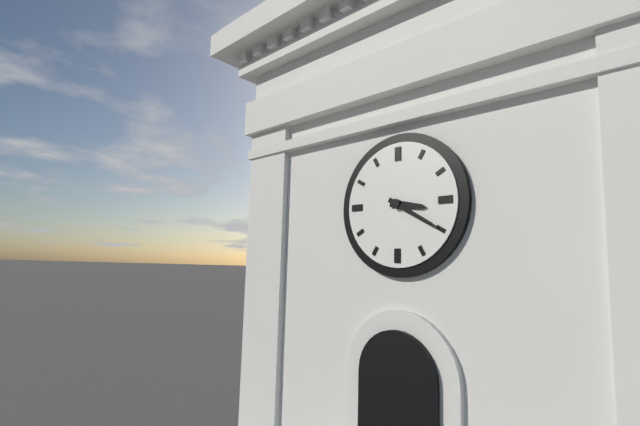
3 h 20 min
